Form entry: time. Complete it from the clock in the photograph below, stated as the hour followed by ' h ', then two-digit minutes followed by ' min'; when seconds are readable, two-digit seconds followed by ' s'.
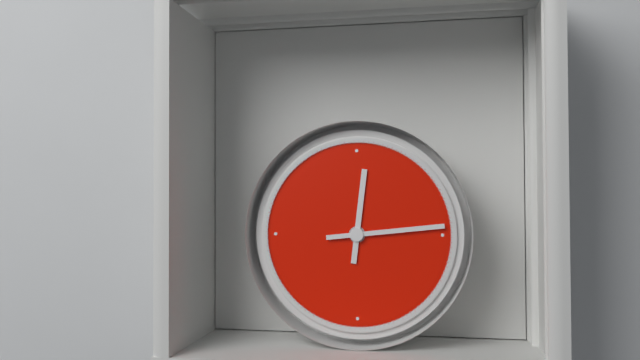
12 h 14 min
